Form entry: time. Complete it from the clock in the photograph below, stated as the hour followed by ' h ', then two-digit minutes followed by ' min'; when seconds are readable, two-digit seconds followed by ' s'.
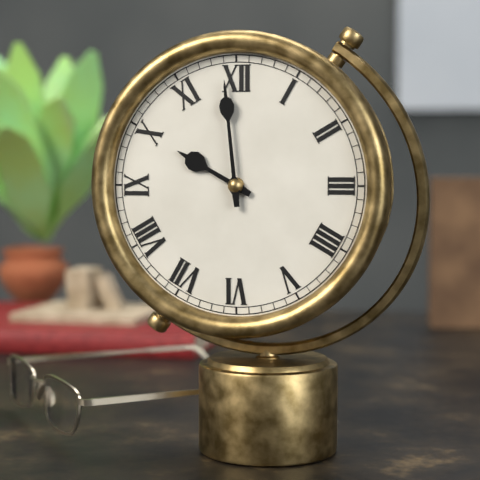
9 h 59 min
